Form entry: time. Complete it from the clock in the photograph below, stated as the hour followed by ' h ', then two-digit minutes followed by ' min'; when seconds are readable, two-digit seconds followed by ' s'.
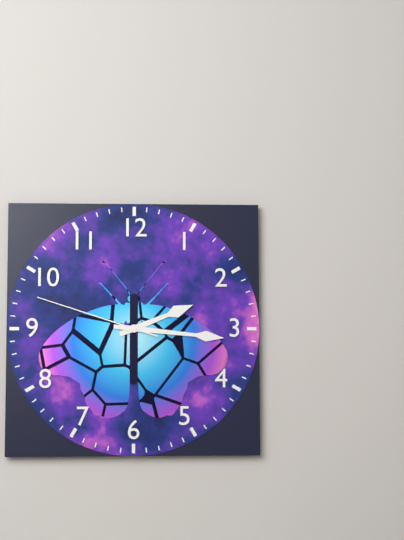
2 h 16 min 48 s
